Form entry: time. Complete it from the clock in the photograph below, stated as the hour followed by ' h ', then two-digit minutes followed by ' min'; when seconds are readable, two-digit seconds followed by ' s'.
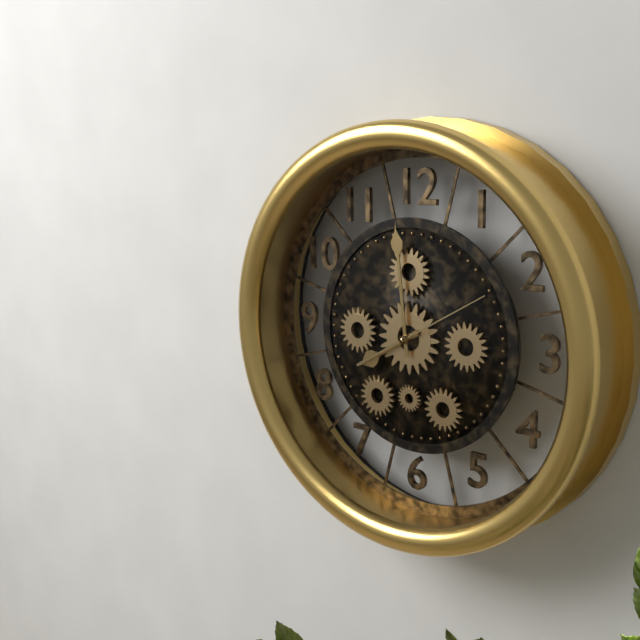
7 h 59 min 10 s
